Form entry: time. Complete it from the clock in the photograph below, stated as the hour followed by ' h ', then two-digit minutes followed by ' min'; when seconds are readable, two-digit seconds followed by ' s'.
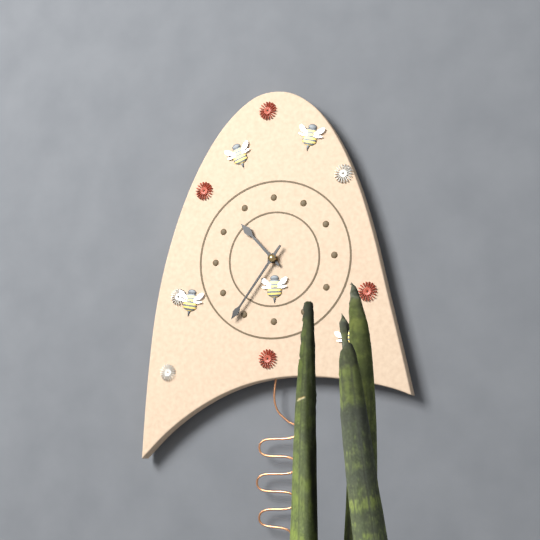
10 h 36 min
